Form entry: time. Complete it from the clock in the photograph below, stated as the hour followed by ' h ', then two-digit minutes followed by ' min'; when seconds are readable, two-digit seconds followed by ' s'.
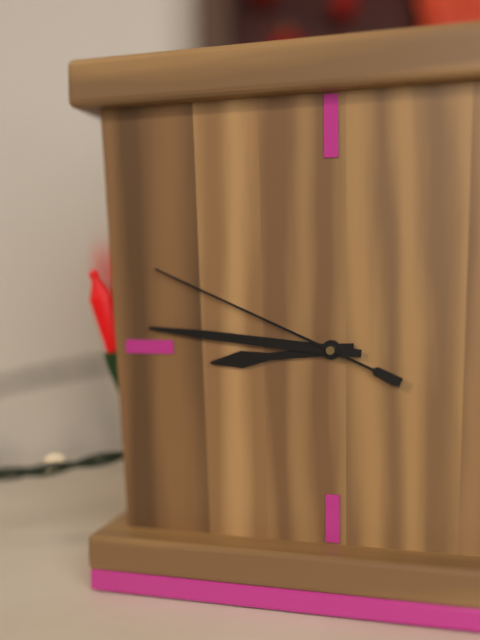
8 h 46 min 49 s
